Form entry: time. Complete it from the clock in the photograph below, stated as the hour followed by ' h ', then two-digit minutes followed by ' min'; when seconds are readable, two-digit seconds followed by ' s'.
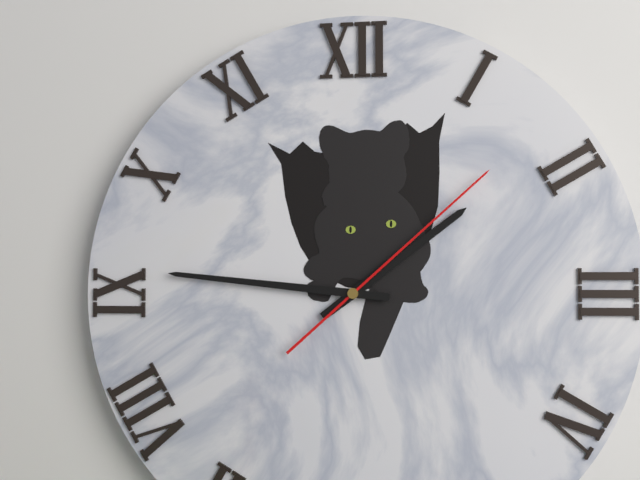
1 h 46 min 08 s
